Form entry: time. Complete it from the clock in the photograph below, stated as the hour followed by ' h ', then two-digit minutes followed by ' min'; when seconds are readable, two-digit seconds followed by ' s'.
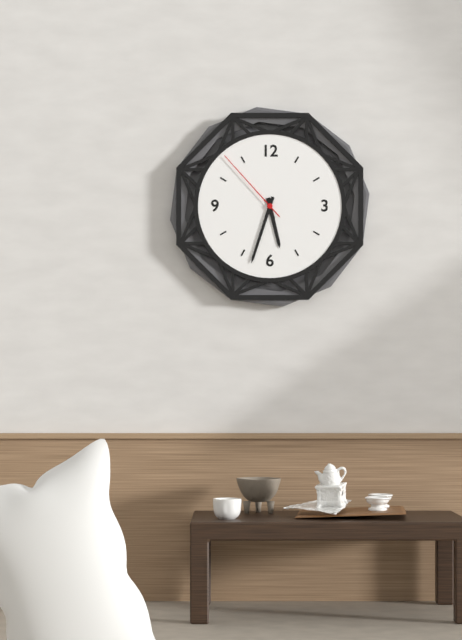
5 h 33 min 53 s
